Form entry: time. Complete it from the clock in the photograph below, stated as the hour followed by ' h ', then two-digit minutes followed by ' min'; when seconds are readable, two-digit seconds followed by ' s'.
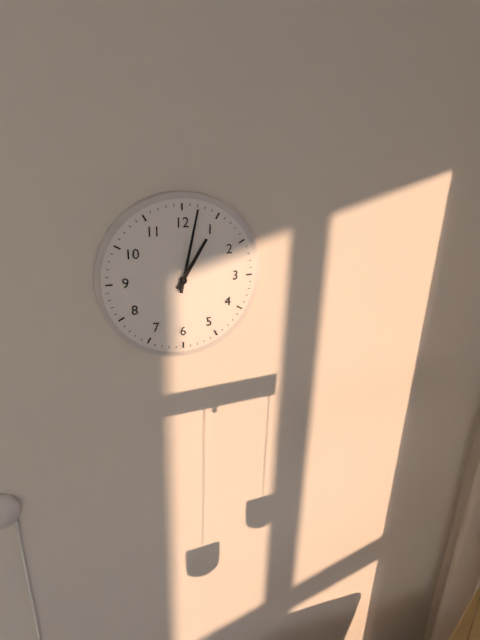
1 h 02 min
